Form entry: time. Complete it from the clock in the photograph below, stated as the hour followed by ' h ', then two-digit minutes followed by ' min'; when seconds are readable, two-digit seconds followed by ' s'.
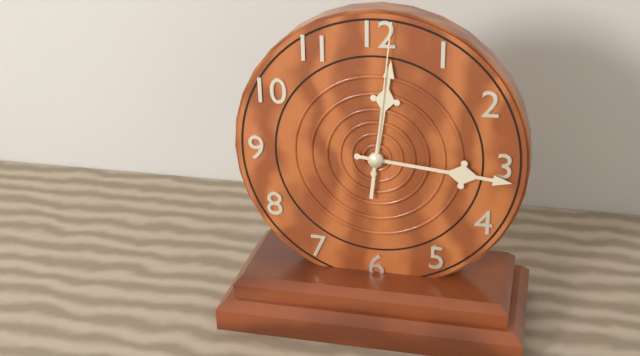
12 h 16 min 01 s
